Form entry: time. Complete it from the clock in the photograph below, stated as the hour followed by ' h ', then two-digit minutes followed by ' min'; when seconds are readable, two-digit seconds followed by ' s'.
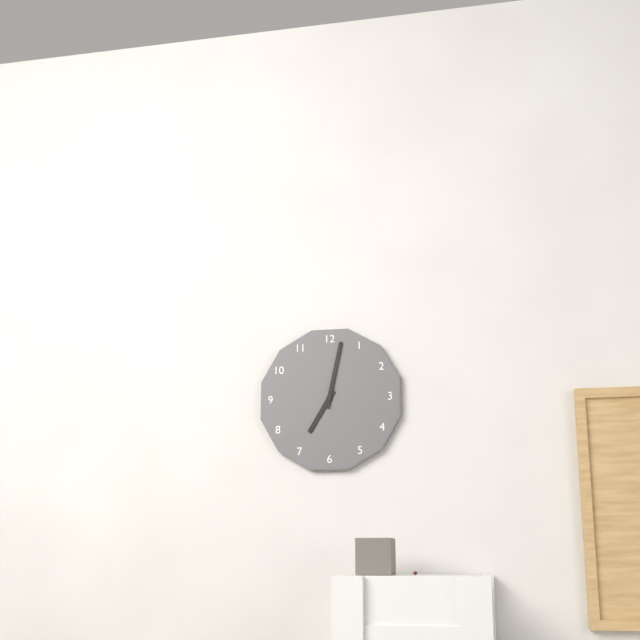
7 h 02 min
